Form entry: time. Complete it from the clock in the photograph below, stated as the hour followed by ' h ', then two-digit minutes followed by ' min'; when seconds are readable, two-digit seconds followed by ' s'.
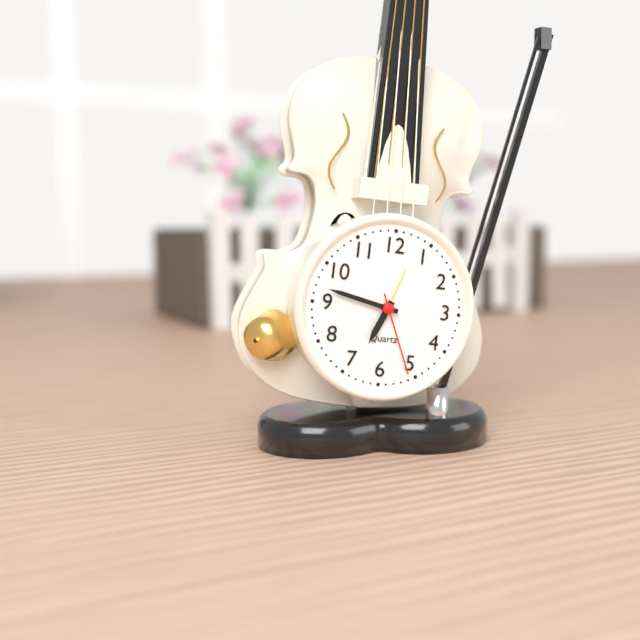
6 h 47 min 26 s
